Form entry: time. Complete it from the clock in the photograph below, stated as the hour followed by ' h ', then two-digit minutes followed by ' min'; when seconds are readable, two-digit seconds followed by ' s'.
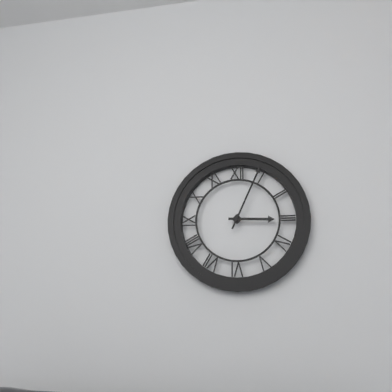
3 h 04 min
